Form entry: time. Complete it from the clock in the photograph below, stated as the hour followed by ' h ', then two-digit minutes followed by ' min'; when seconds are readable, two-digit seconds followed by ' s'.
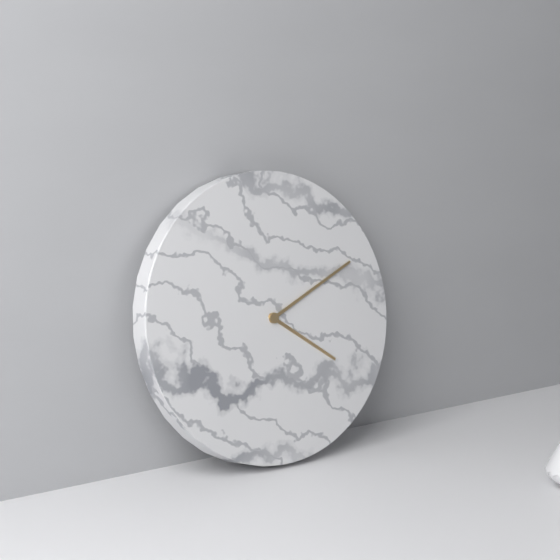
4 h 11 min
